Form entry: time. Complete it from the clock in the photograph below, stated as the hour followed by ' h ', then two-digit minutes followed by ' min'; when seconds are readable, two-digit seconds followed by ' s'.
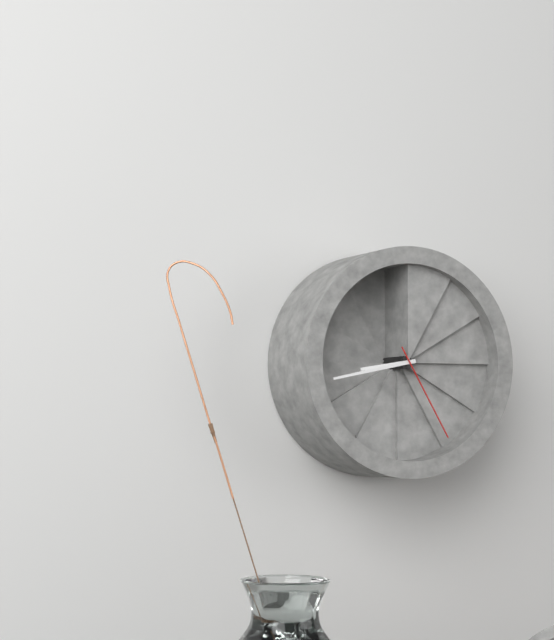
8 h 43 min 25 s
